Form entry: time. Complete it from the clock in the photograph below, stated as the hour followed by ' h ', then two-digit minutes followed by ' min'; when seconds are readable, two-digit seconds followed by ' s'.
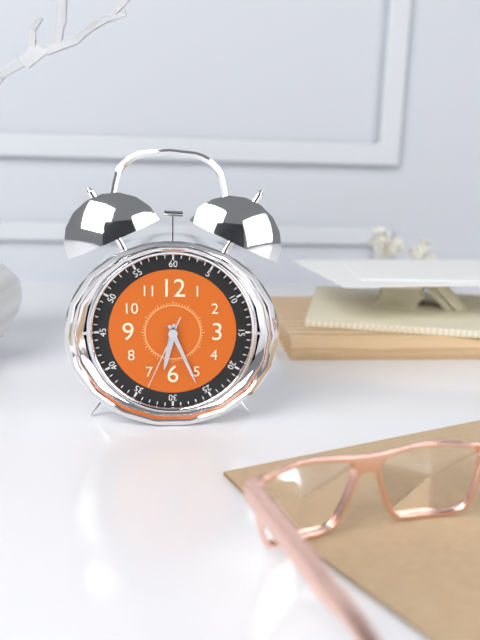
6 h 26 min 34 s
